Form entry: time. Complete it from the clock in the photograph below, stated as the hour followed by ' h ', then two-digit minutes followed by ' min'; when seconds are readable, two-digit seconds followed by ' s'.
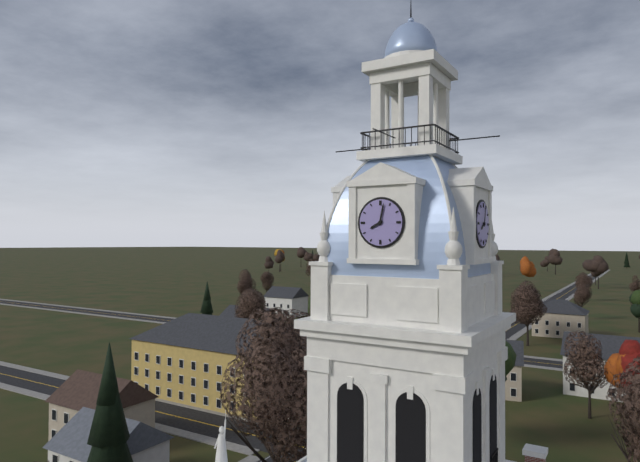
8 h 02 min
